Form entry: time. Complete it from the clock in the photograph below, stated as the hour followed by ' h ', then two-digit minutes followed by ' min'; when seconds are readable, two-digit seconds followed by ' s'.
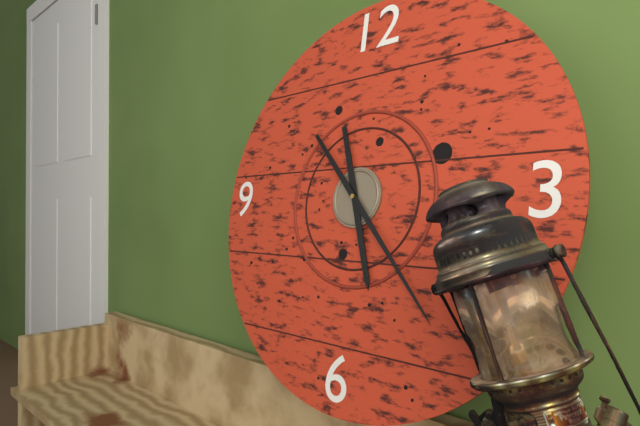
5 h 23 min
